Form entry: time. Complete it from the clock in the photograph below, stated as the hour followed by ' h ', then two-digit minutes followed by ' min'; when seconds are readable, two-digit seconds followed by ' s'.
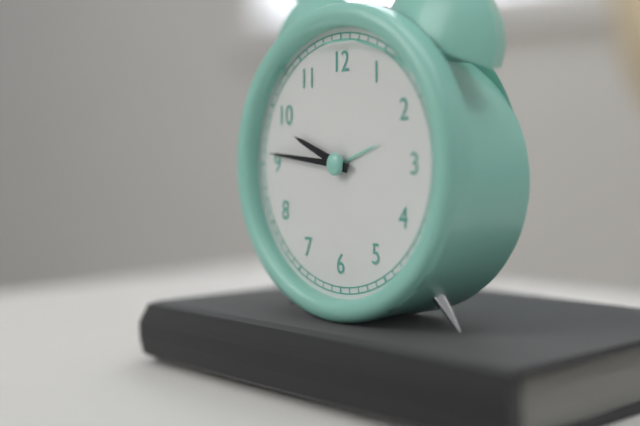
9 h 46 min
